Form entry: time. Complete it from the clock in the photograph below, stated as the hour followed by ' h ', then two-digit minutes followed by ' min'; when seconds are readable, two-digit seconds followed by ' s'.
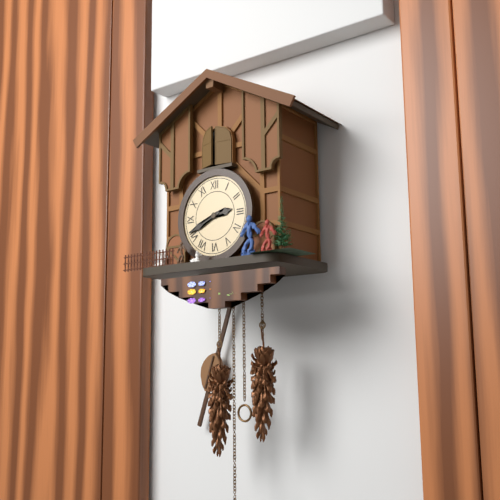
2 h 41 min
